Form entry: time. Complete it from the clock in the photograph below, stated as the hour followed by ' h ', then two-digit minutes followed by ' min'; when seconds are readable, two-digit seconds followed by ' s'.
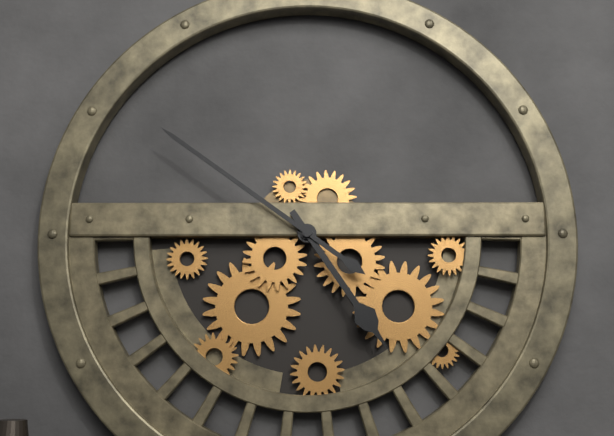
4 h 51 min
